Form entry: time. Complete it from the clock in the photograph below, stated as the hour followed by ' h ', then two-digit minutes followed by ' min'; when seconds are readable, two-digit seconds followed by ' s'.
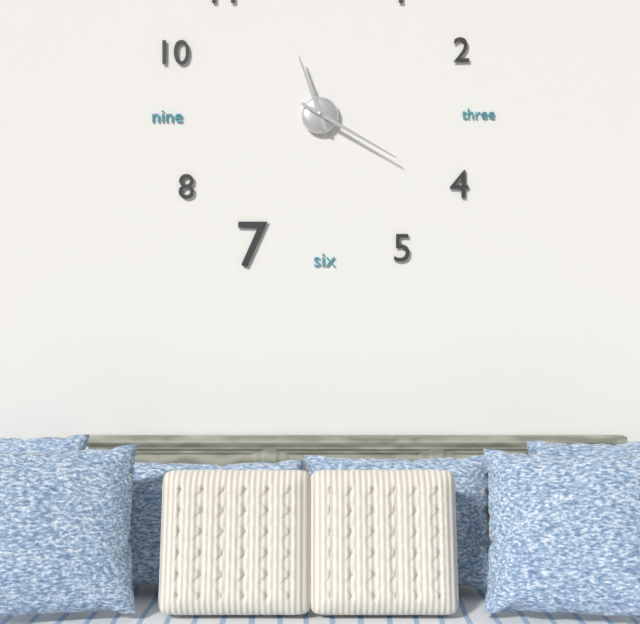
11 h 20 min
